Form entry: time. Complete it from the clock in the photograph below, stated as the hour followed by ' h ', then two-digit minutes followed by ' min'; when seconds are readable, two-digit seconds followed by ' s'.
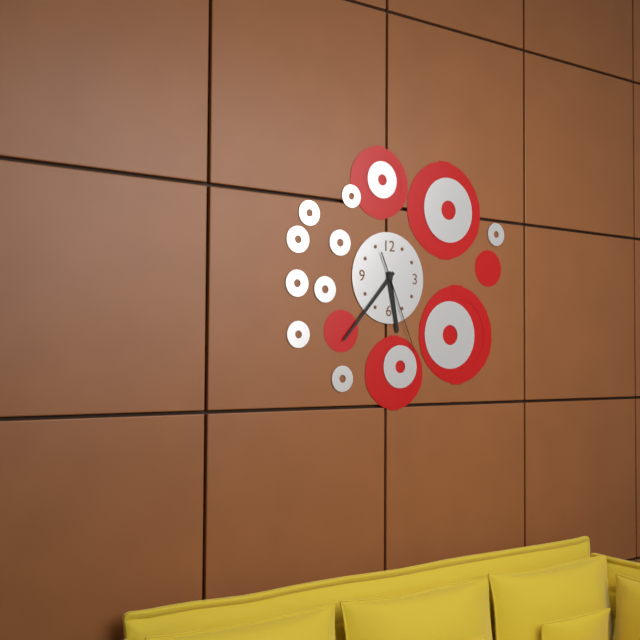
5 h 37 min 26 s
